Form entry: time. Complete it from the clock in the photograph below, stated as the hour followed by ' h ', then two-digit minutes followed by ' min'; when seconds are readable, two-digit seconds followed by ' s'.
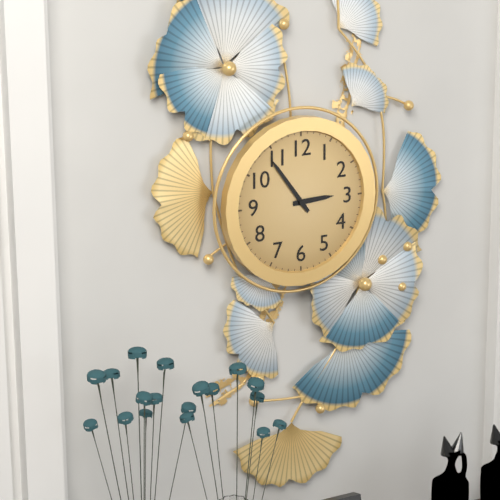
2 h 54 min
